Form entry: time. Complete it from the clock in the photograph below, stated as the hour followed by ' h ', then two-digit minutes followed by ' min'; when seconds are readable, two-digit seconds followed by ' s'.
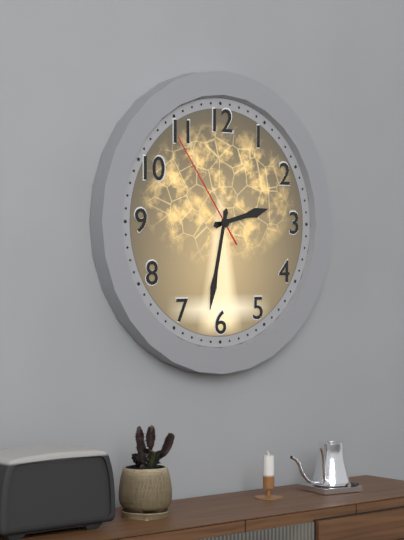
2 h 32 min 54 s
